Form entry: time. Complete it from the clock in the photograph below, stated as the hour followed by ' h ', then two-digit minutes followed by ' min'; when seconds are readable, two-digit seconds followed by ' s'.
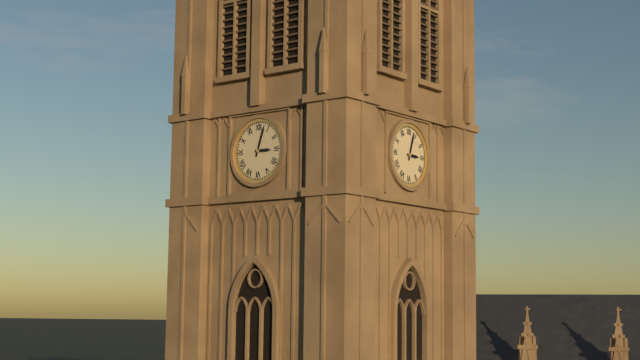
3 h 03 min
